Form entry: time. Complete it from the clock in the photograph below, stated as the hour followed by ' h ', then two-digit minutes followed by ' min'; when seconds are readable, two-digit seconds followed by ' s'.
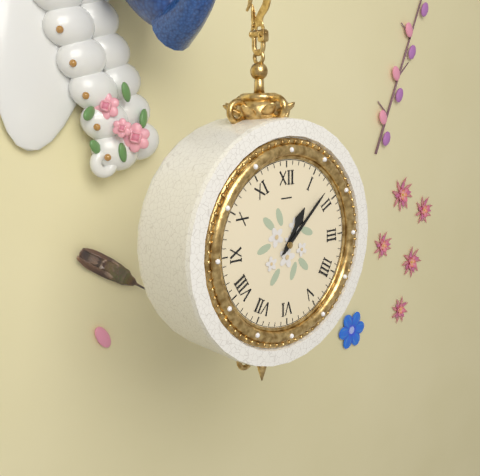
1 h 08 min
